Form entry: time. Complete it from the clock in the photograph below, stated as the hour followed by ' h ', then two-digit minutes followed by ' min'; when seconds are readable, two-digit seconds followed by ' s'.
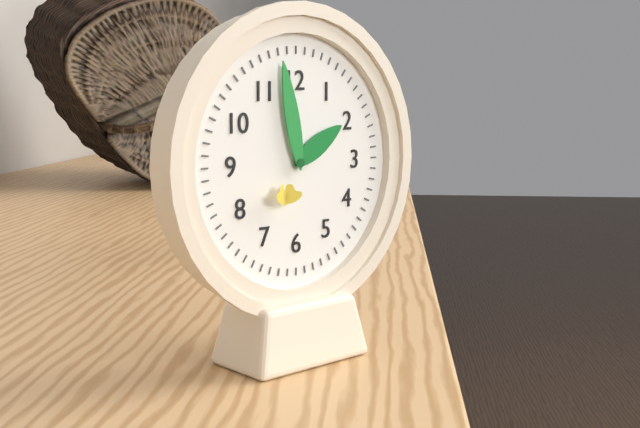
1 h 58 min
